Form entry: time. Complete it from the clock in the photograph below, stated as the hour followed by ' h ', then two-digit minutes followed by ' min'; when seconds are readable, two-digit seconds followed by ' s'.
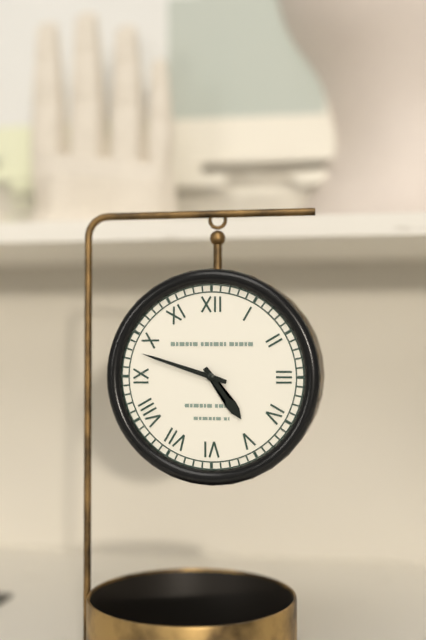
4 h 48 min
